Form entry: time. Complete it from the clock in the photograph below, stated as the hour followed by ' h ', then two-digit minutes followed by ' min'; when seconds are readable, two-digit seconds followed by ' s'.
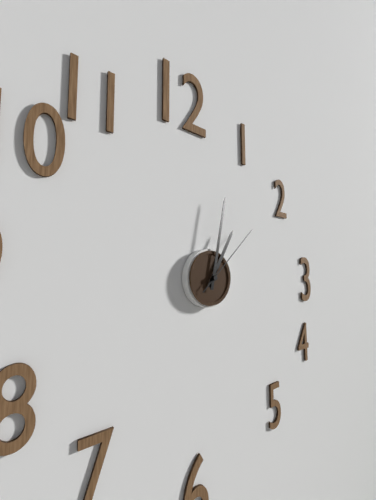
1 h 02 min 08 s
